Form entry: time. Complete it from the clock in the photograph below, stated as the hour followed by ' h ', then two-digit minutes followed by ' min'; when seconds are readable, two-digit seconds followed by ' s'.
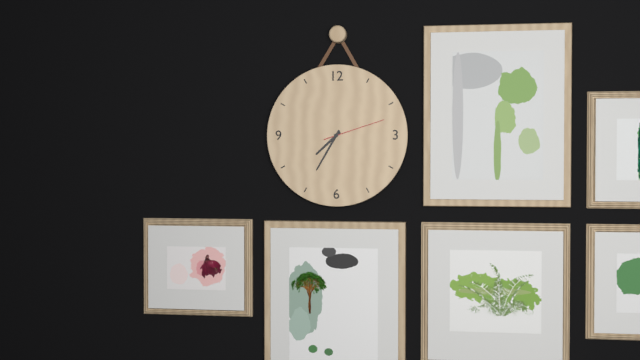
7 h 35 min 12 s
